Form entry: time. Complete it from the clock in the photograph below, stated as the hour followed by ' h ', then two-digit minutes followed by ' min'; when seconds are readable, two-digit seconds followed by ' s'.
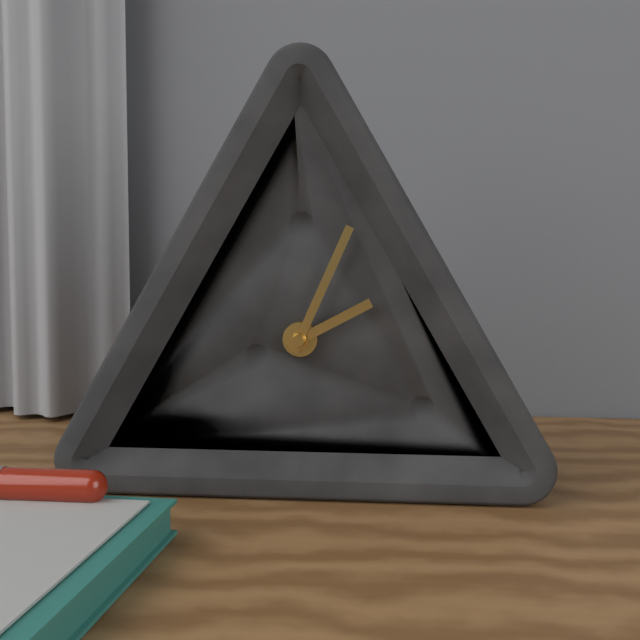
2 h 04 min
